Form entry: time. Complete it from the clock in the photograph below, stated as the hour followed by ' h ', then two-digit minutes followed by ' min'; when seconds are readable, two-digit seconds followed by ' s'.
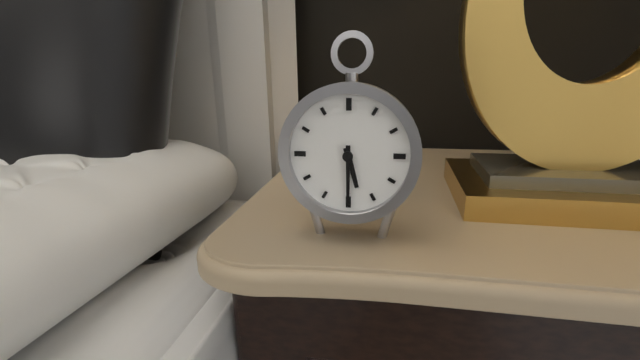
5 h 30 min
